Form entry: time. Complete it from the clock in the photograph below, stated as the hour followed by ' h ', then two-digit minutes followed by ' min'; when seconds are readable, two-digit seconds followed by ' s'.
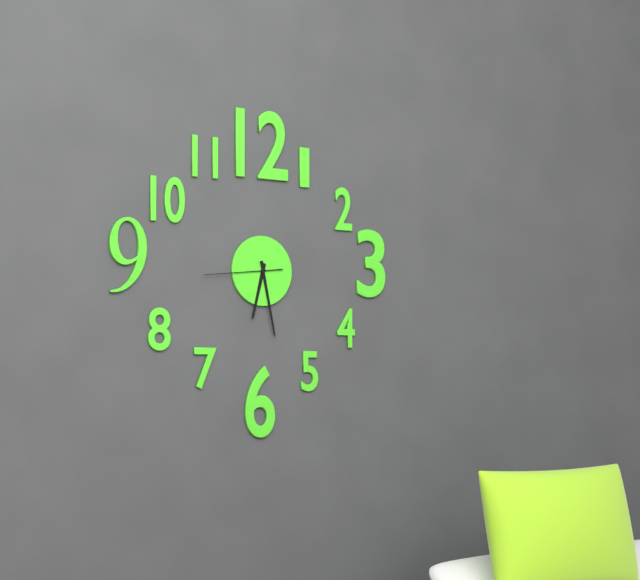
6 h 28 min 44 s
